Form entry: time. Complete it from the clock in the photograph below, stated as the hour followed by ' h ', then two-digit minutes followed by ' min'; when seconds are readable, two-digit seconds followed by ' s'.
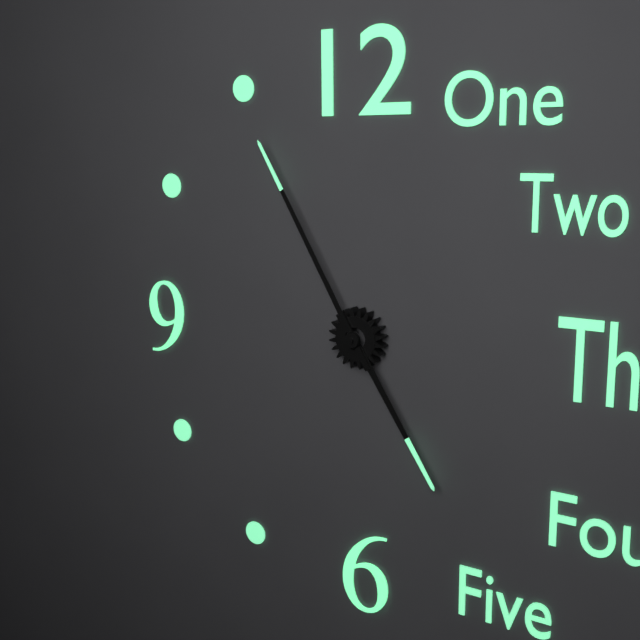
4 h 55 min
